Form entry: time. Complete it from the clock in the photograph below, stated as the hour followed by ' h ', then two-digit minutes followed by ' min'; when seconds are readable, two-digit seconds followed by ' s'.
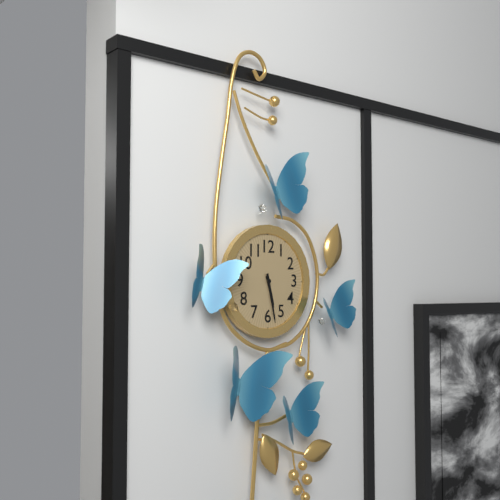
5 h 28 min
